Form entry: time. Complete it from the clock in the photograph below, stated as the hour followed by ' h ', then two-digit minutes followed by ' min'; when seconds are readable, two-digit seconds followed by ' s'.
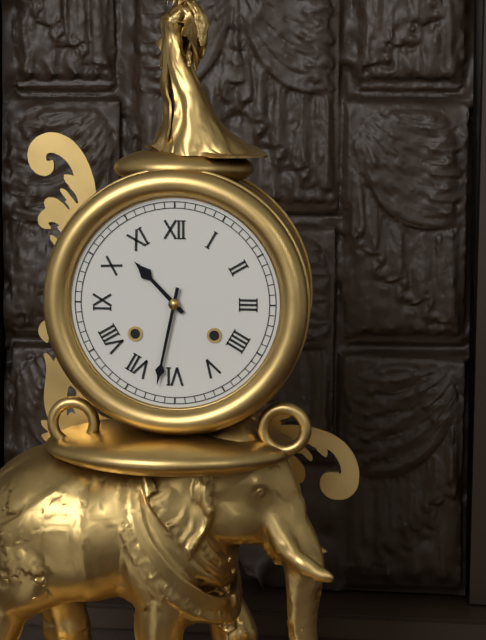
10 h 32 min
